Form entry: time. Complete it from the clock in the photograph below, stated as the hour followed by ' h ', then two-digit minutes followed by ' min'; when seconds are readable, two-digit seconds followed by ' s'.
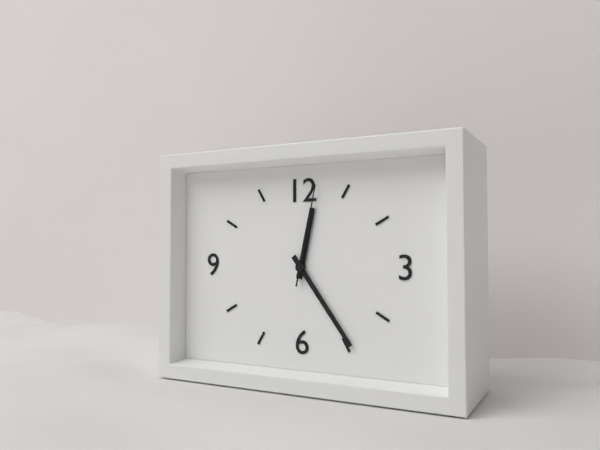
12 h 24 min 02 s
